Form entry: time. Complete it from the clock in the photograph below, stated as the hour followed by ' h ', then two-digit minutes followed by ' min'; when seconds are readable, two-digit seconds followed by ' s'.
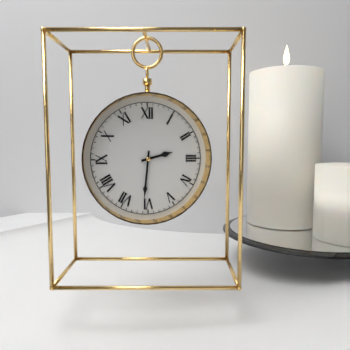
2 h 31 min
